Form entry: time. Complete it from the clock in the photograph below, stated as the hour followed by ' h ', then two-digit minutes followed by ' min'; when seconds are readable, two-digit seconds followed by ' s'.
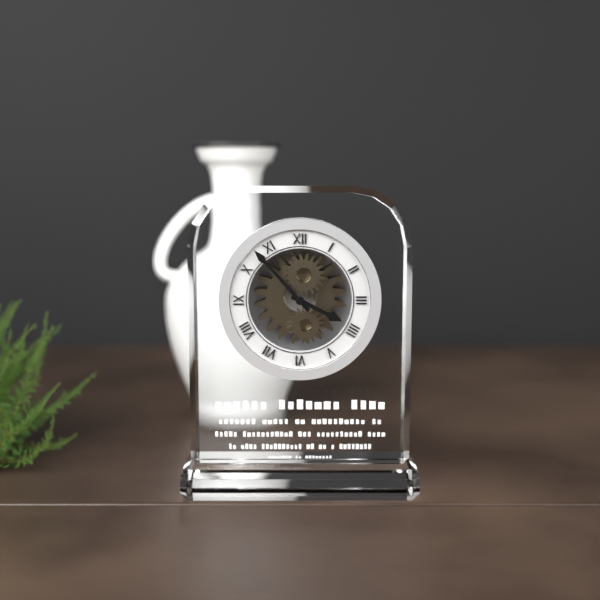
3 h 53 min
